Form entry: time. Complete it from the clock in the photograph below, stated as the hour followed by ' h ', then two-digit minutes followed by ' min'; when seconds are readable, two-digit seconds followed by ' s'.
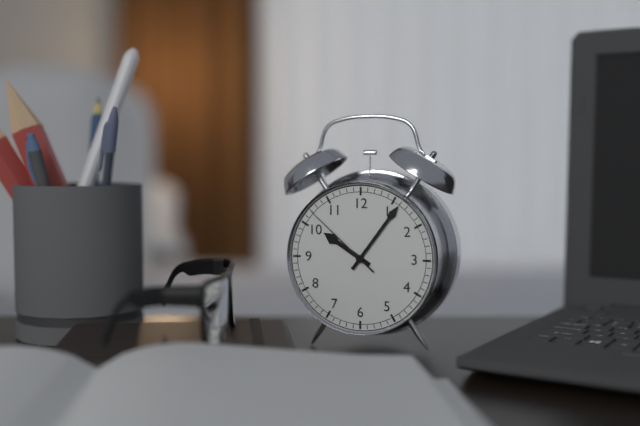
10 h 06 min 52 s
